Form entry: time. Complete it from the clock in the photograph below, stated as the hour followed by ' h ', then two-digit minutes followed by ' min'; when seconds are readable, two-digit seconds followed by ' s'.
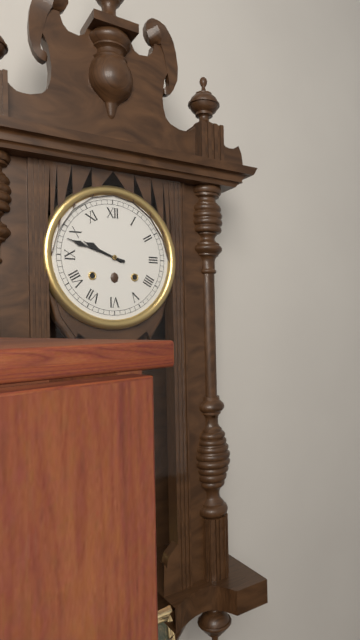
9 h 48 min
